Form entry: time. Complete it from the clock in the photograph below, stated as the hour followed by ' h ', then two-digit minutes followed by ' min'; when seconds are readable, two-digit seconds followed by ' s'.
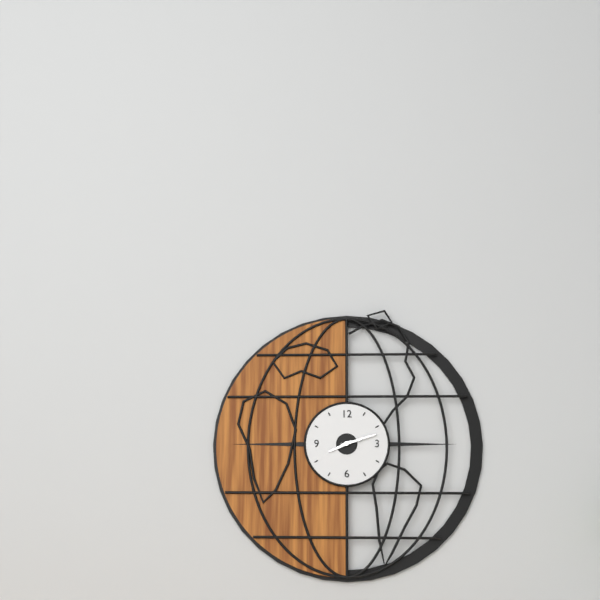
8 h 12 min
